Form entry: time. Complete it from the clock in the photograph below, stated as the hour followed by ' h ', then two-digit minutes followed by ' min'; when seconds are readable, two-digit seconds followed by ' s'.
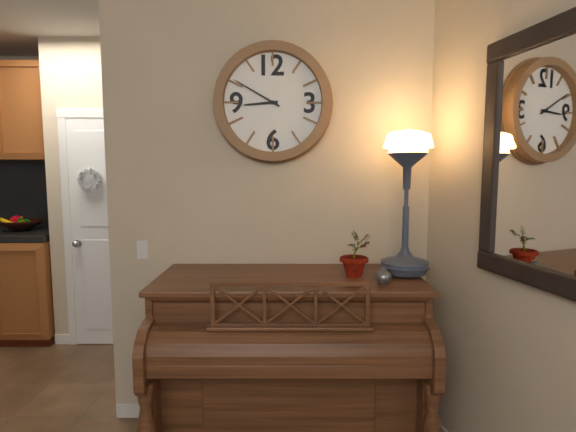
8 h 50 min
